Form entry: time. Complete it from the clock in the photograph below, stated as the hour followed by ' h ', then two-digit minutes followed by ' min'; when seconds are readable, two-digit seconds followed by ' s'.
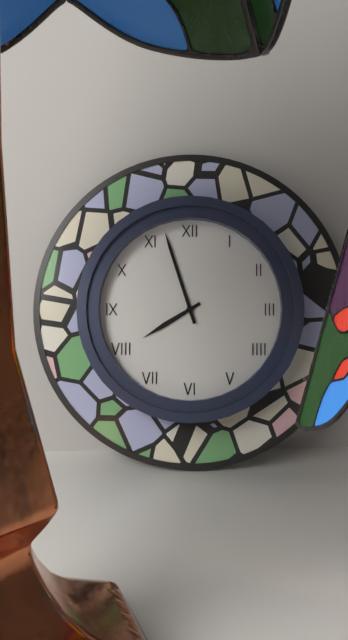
7 h 57 min
